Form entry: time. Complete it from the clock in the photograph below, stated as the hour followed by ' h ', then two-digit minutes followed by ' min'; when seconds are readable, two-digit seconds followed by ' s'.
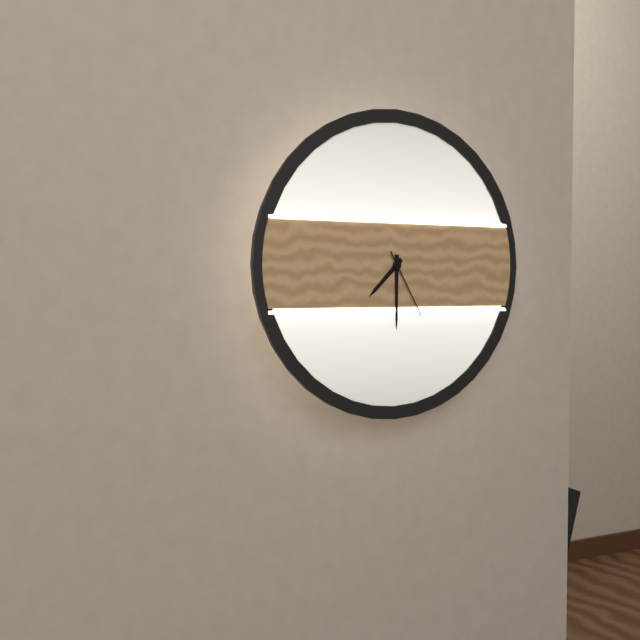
7 h 30 min 25 s
